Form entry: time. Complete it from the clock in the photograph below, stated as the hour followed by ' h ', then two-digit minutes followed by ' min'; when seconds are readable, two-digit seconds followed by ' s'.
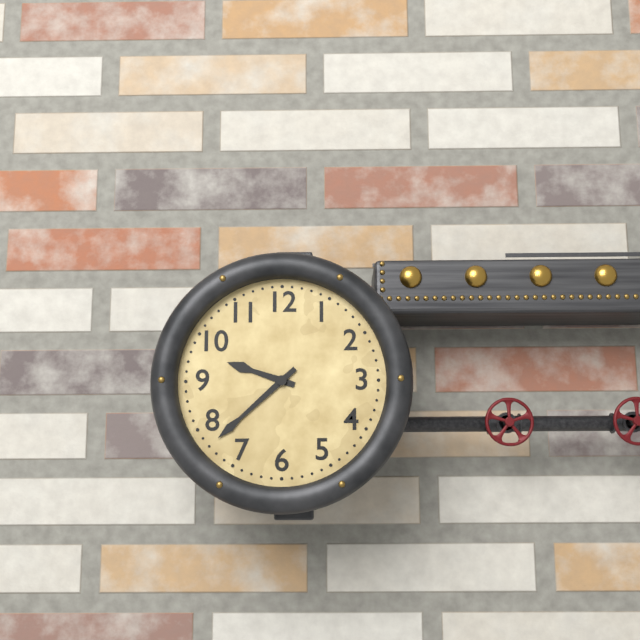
9 h 38 min
